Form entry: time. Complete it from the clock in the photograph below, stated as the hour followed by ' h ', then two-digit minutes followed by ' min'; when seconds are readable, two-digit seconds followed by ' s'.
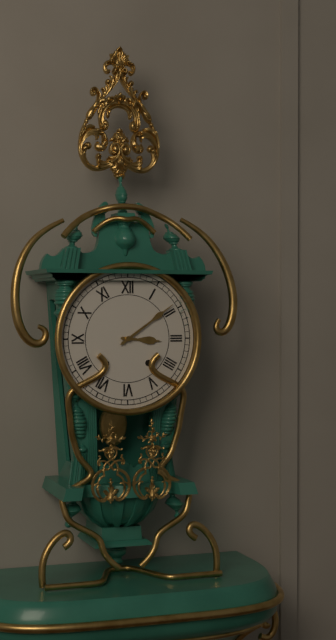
3 h 09 min
